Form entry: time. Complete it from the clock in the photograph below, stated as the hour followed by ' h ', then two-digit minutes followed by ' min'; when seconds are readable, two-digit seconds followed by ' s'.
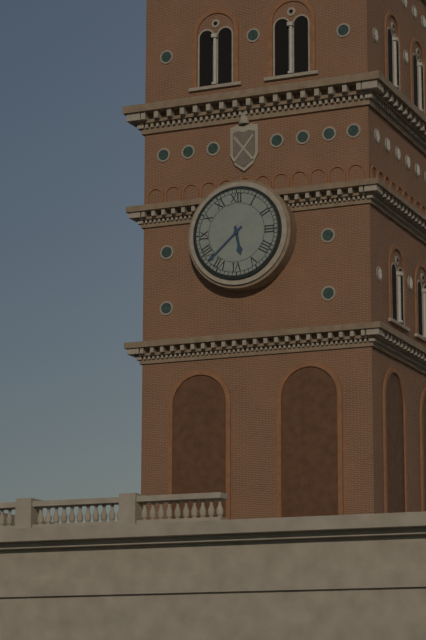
5 h 38 min
